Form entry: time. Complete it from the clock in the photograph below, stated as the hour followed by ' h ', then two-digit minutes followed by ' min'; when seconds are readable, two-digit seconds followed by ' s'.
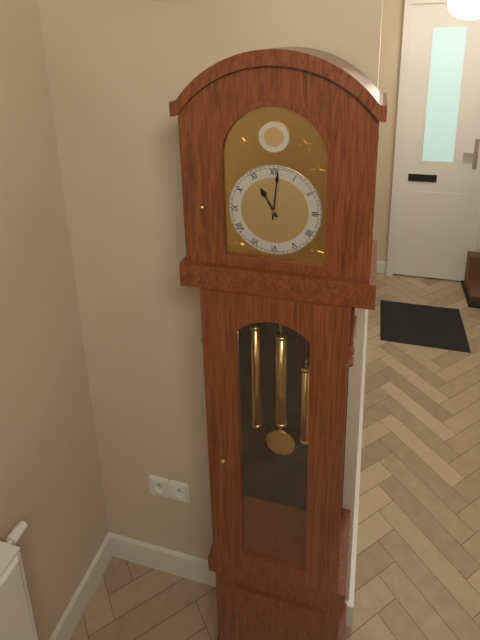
11 h 01 min
